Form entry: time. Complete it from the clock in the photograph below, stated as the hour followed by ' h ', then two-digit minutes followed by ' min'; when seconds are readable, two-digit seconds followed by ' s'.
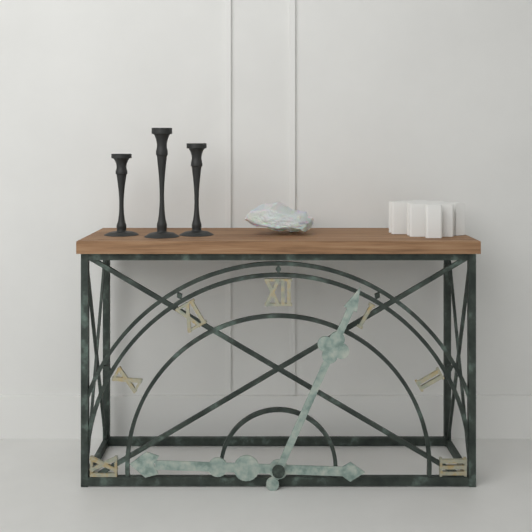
9 h 04 min
